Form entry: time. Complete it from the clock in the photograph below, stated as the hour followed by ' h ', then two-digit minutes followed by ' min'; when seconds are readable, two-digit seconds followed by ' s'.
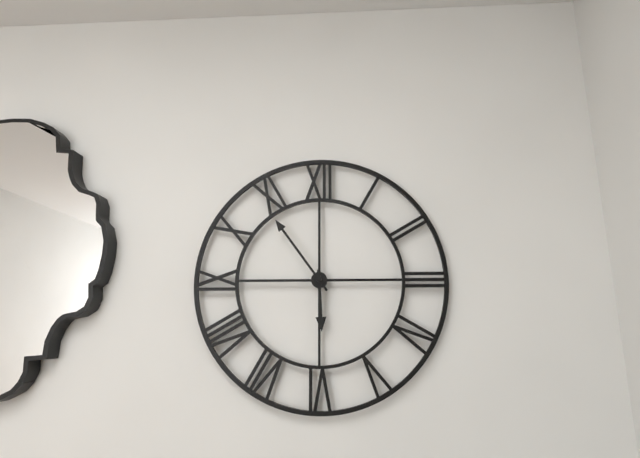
5 h 54 min
